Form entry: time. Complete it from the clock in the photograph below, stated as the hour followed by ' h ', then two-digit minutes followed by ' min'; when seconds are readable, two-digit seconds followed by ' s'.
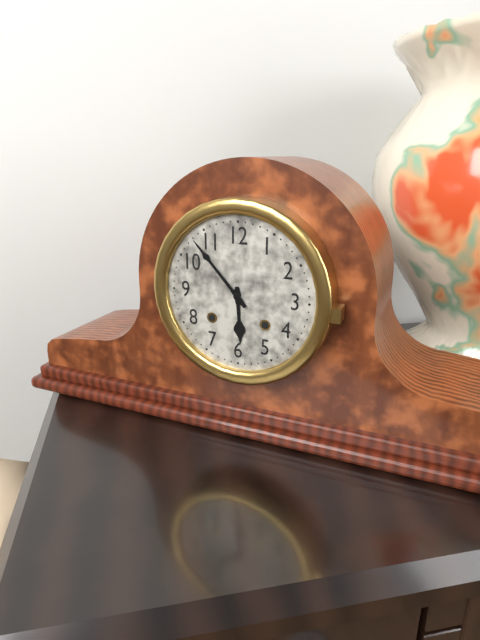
5 h 53 min
